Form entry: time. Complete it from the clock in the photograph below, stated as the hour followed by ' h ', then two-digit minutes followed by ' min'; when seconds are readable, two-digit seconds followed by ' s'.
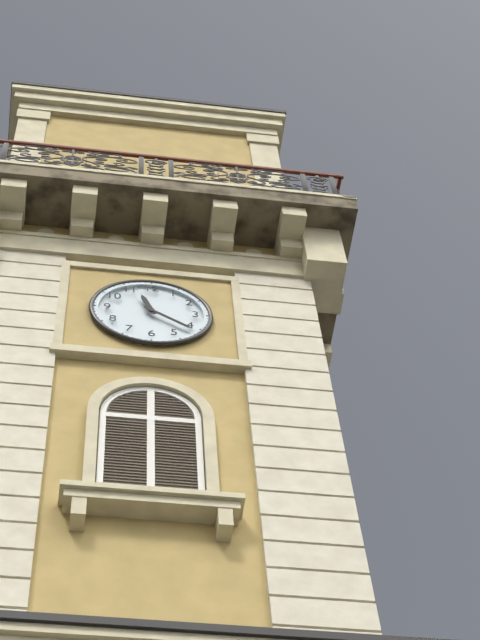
11 h 21 min
